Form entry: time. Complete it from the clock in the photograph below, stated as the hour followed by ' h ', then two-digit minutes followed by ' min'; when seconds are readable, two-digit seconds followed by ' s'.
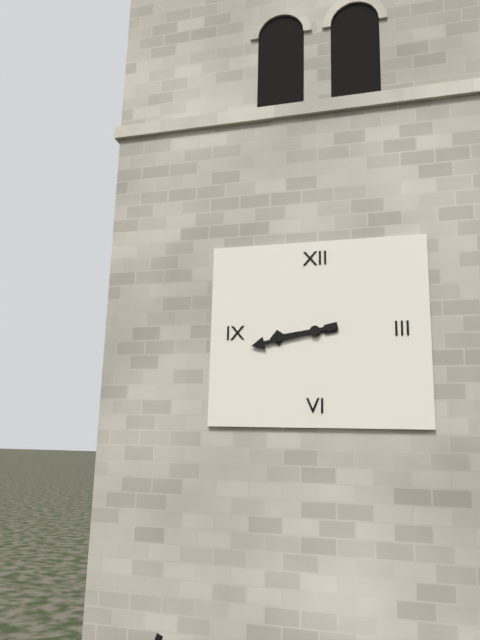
8 h 43 min
